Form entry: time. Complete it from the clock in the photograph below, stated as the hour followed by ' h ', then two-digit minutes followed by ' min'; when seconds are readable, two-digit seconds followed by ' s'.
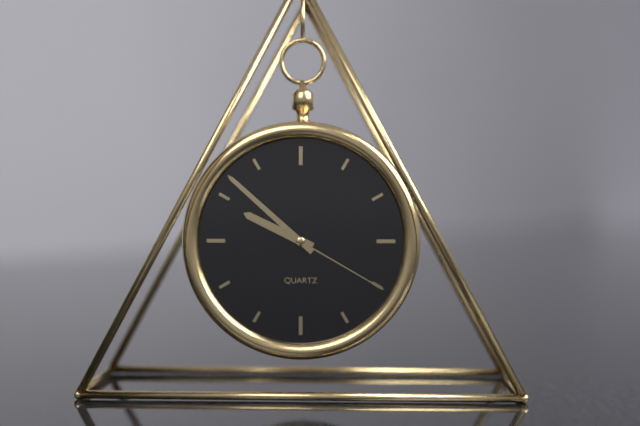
9 h 52 min 20 s
